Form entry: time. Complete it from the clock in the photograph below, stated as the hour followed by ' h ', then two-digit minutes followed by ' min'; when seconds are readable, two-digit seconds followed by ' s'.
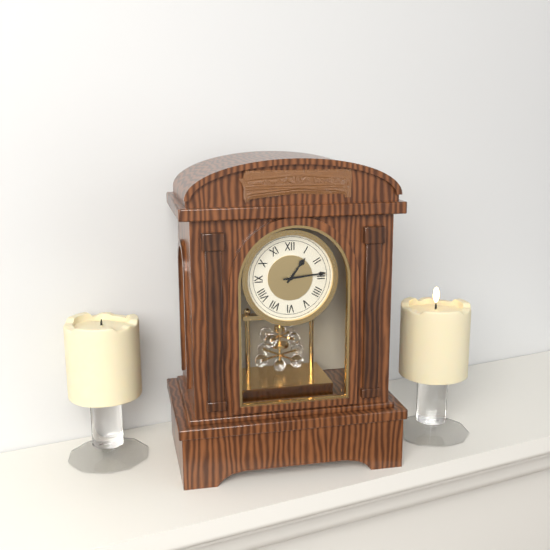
1 h 14 min
